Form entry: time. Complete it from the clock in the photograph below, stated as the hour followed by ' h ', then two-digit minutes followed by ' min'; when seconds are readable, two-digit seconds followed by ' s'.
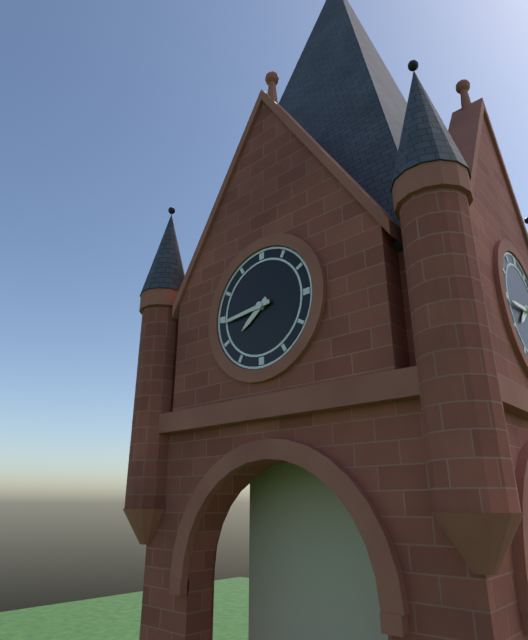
7 h 44 min
